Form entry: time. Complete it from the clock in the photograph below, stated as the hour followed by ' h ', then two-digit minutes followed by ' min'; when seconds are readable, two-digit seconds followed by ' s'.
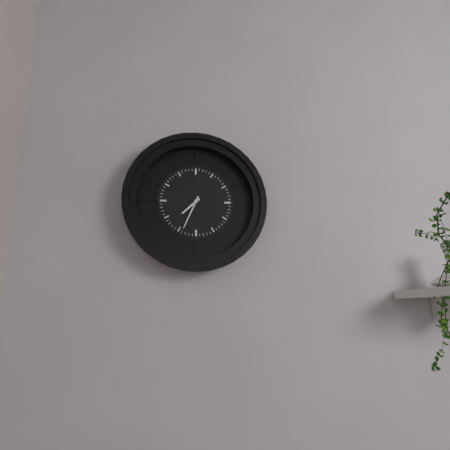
7 h 34 min
